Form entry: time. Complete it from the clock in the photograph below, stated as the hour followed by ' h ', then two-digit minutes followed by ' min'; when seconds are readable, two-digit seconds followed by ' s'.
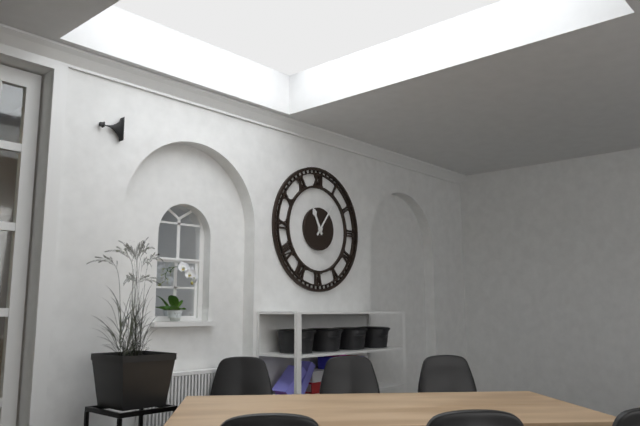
11 h 06 min
